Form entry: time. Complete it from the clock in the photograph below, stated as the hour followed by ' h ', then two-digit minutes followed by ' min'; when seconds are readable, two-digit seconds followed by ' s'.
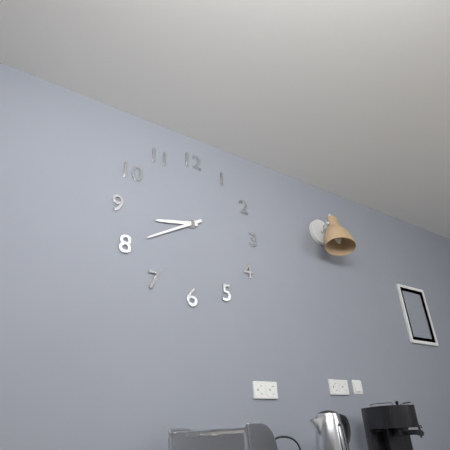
8 h 40 min
